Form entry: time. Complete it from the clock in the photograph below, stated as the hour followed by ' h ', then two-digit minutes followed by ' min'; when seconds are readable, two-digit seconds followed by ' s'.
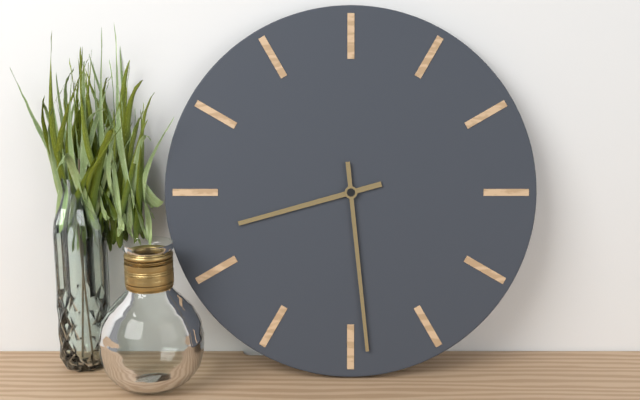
8 h 29 min
